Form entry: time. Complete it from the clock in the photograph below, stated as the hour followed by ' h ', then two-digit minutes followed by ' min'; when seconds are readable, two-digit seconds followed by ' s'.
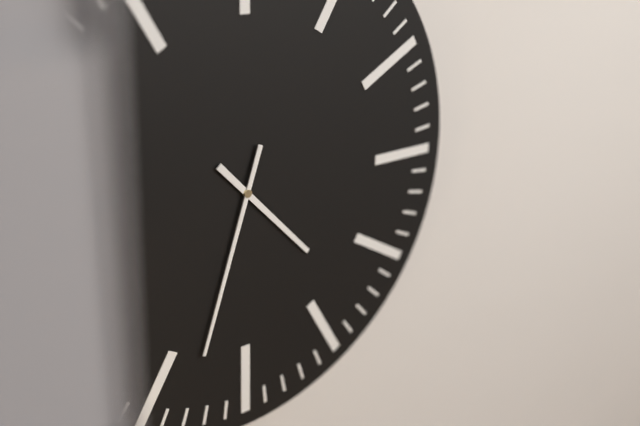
4 h 33 min
